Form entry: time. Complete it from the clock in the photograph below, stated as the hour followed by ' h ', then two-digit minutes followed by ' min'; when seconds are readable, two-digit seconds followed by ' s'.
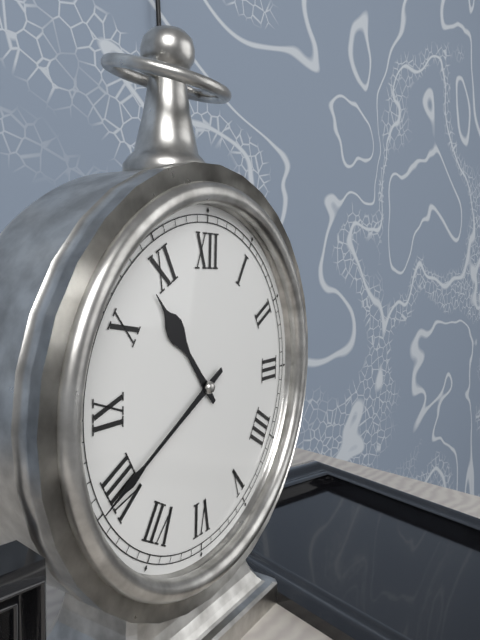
10 h 40 min
